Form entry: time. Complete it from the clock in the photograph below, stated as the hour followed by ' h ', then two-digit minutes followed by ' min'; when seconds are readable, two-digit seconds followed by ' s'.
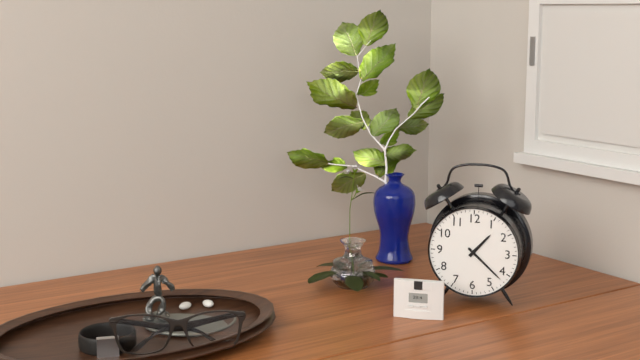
1 h 22 min
